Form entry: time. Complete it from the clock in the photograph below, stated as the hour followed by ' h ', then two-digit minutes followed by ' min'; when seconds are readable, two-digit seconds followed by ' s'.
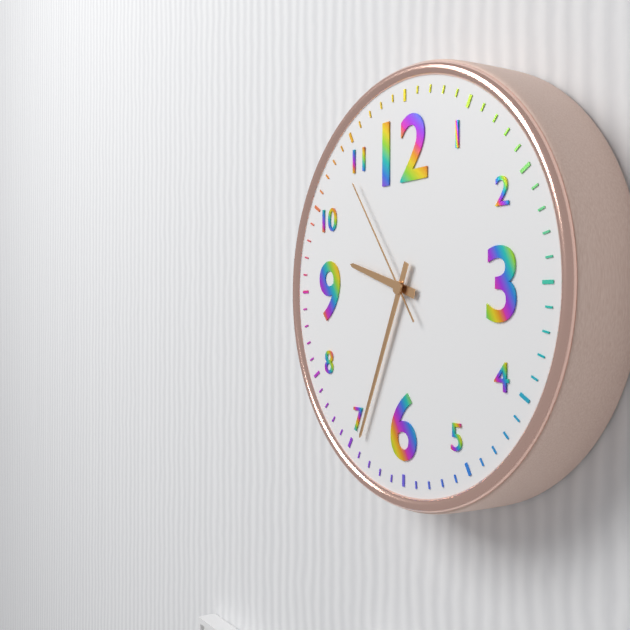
9 h 34 min 54 s
